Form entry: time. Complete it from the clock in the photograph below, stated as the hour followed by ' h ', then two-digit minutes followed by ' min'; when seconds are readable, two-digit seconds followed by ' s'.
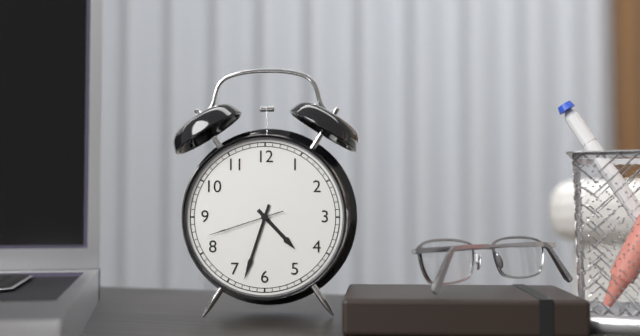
4 h 33 min 42 s
